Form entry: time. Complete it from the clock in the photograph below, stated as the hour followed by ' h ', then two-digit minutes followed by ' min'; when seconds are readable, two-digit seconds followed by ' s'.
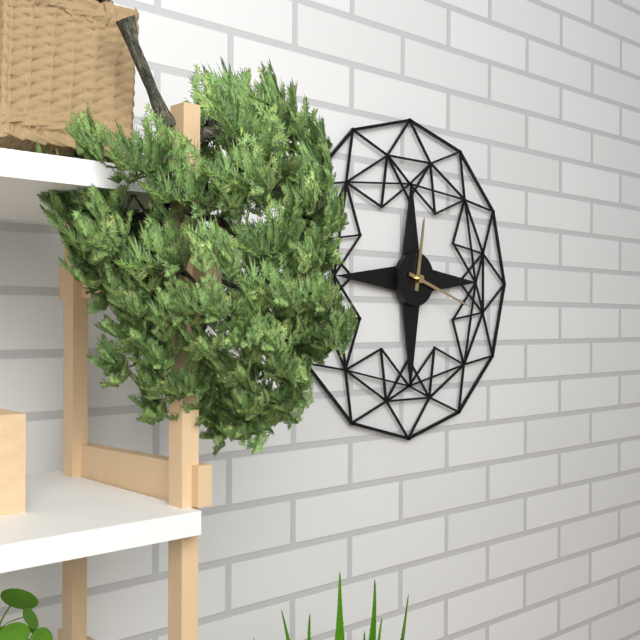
12 h 18 min
